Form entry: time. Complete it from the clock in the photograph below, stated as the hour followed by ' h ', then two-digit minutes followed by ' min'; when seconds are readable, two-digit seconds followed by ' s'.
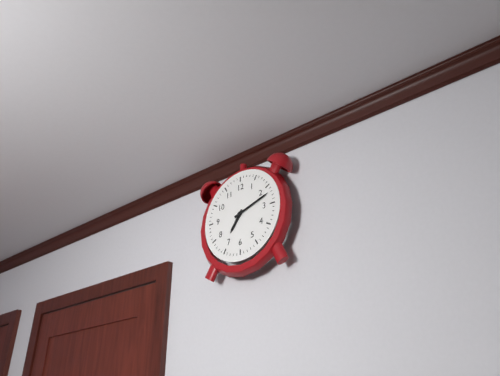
7 h 12 min
